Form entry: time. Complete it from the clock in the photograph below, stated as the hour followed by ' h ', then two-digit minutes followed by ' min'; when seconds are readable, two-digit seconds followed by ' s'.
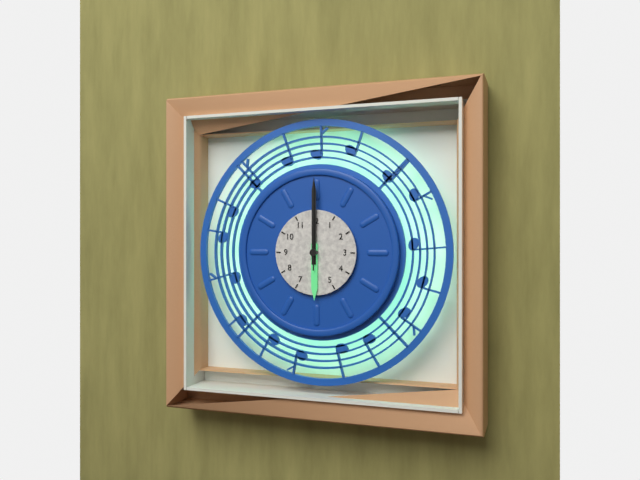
6 h 00 min 00 s
